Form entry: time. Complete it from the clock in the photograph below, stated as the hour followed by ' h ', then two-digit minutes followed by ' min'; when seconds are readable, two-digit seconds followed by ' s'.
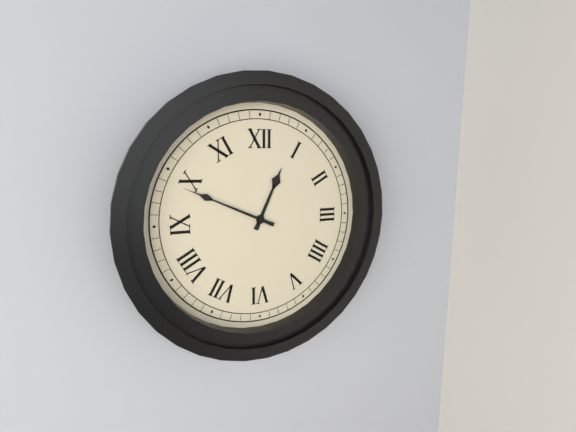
12 h 49 min
